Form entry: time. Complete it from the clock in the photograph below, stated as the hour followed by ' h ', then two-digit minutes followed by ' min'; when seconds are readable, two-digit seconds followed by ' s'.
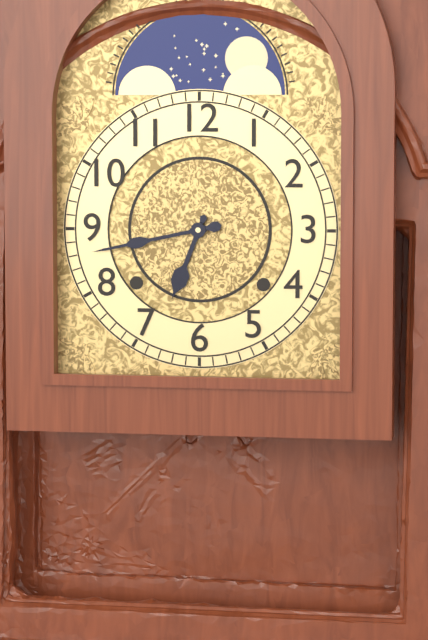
6 h 43 min
